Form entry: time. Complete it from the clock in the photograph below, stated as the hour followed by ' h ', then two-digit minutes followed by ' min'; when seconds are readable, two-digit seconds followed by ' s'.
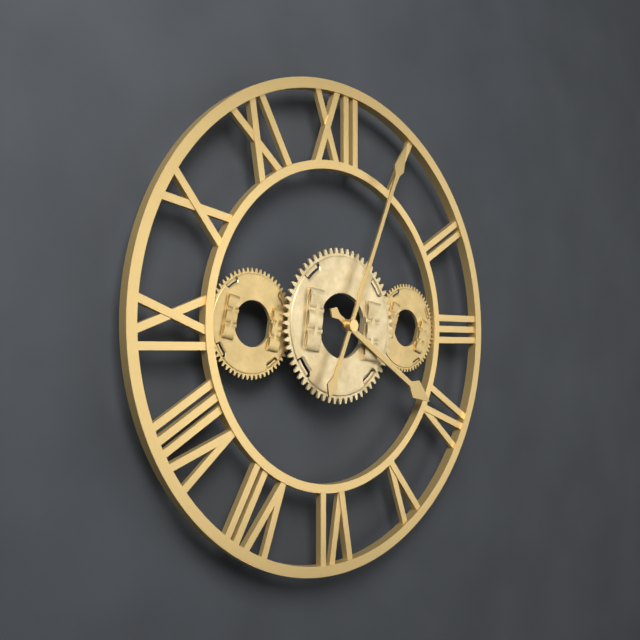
4 h 04 min
